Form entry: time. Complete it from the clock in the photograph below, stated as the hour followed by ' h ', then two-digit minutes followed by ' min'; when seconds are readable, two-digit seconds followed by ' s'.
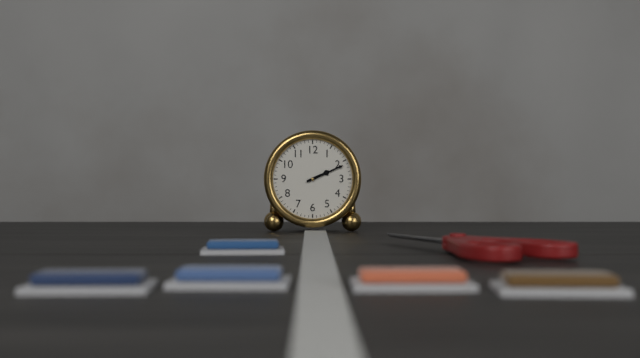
2 h 11 min
